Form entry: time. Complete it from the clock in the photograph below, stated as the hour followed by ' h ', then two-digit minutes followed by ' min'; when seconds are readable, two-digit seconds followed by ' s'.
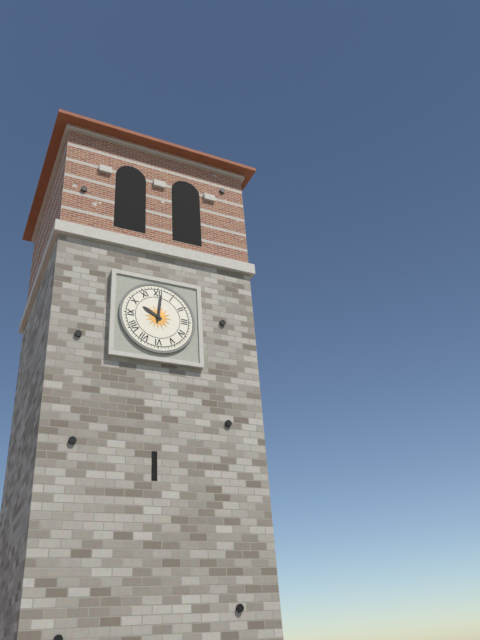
10 h 01 min
